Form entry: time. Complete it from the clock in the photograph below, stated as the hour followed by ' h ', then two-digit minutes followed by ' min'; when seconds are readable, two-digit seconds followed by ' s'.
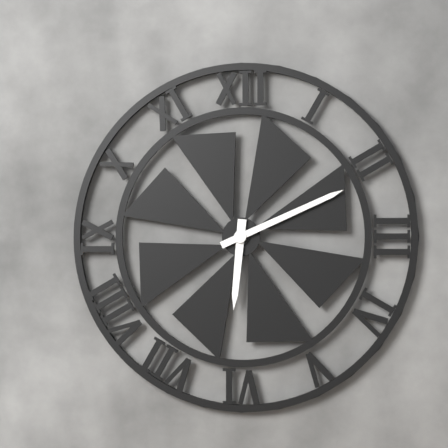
6 h 11 min
